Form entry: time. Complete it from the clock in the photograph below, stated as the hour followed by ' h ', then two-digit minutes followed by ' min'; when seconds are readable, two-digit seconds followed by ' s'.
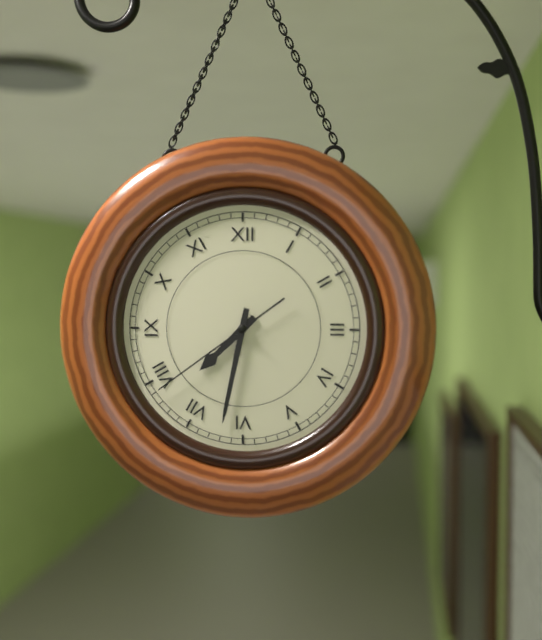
7 h 32 min 39 s
